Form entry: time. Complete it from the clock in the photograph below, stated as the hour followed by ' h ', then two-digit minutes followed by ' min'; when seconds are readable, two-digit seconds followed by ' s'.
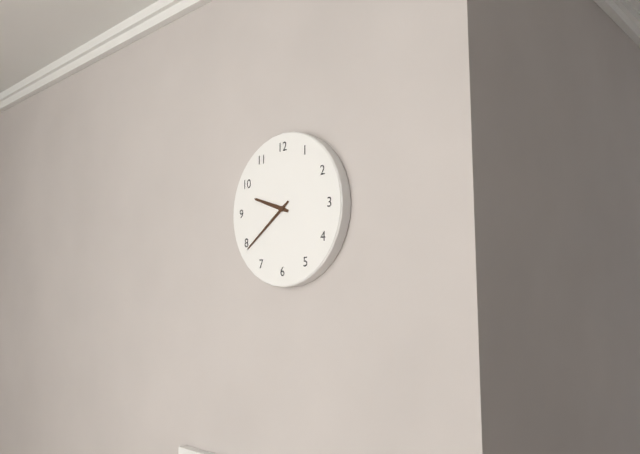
9 h 39 min
